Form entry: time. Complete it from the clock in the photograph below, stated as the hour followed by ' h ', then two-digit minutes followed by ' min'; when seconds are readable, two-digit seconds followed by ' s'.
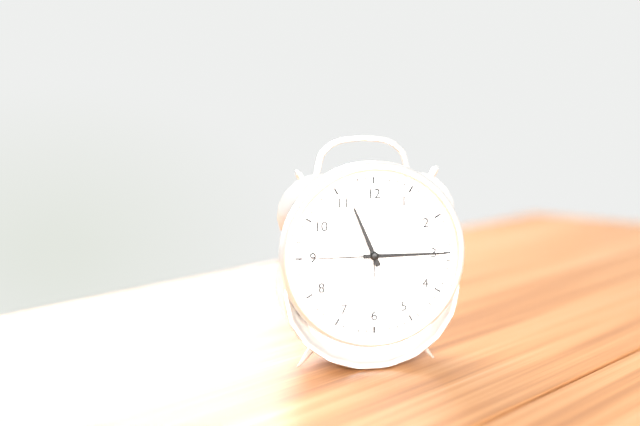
11 h 15 min 45 s
